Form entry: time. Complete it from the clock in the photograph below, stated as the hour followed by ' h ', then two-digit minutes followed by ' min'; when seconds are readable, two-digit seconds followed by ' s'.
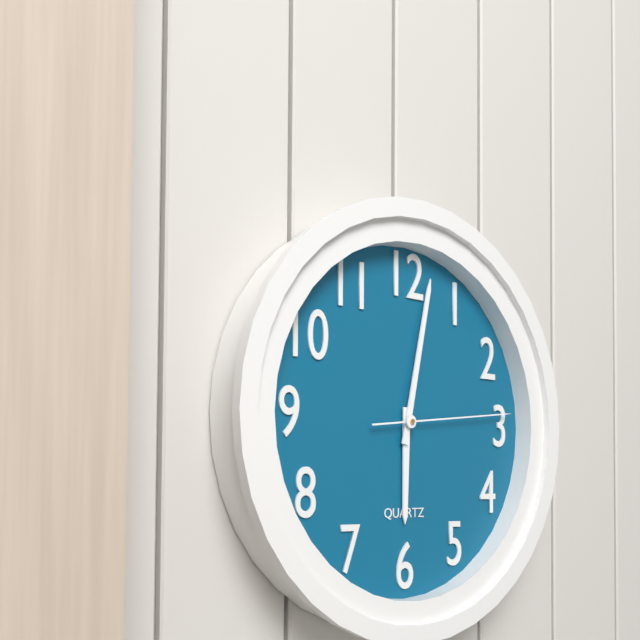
6 h 02 min 14 s
